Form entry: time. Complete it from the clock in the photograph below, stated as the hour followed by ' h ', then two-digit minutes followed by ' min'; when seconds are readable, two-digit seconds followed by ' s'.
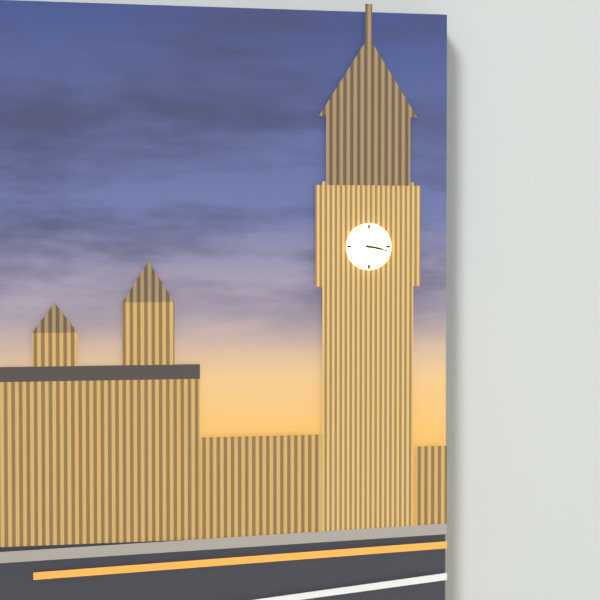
3 h 17 min
